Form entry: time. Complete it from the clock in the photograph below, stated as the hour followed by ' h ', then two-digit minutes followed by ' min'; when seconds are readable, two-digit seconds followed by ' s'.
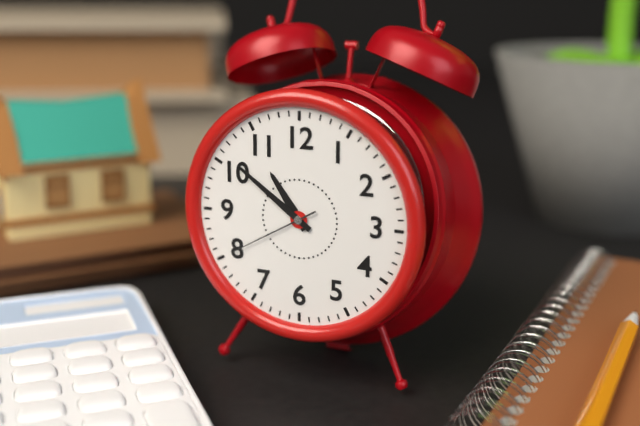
10 h 51 min 40 s
